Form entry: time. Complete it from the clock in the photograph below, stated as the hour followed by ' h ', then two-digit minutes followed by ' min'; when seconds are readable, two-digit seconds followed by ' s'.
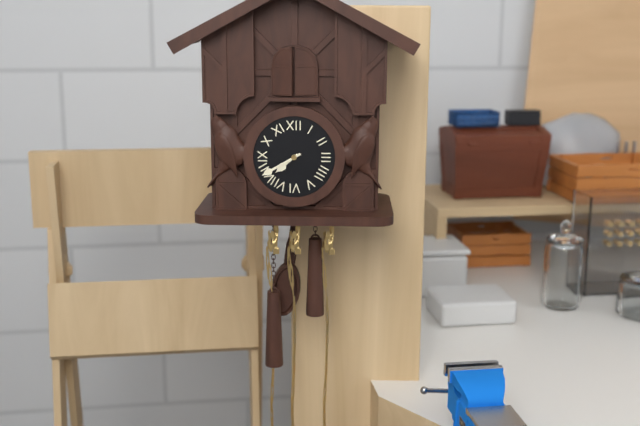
7 h 40 min
